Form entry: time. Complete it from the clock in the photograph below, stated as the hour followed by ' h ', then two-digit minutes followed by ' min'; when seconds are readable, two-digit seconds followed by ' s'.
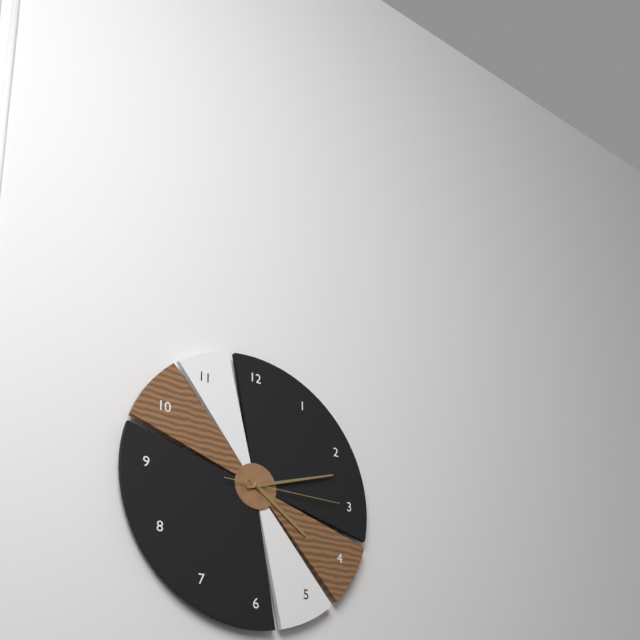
4 h 12 min 15 s
